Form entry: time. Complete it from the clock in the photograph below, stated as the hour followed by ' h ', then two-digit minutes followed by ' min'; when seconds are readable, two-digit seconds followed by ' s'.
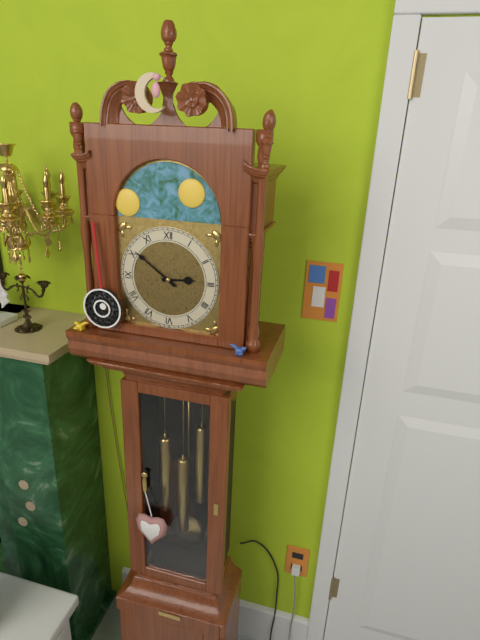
2 h 51 min
